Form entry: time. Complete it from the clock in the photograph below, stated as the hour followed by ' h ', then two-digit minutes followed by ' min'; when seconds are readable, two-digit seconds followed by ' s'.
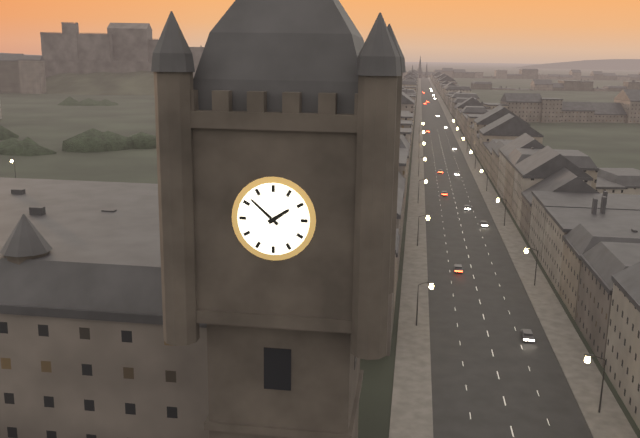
1 h 52 min
